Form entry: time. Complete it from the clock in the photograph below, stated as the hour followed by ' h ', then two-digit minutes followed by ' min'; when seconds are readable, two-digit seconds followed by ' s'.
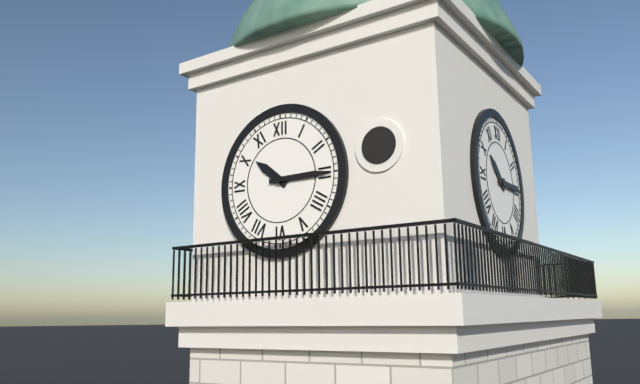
10 h 15 min
